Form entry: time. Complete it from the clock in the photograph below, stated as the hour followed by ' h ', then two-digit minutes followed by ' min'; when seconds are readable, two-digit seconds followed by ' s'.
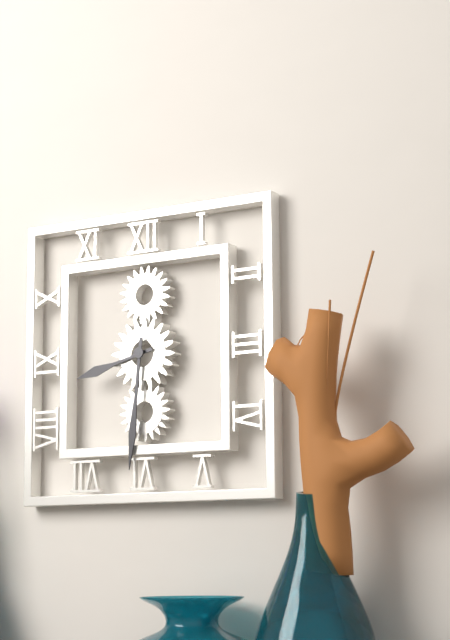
8 h 31 min
